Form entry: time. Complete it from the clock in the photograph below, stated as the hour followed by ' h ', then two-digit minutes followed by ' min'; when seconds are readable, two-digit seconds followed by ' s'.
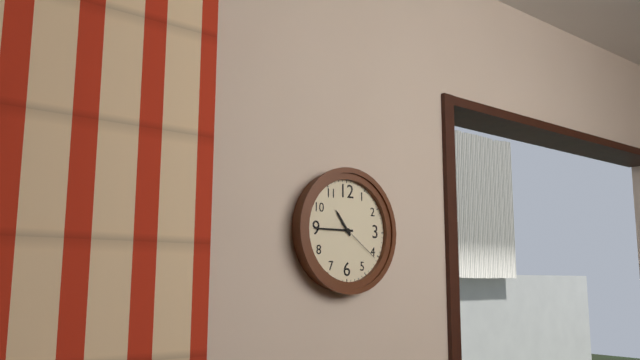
10 h 45 min
